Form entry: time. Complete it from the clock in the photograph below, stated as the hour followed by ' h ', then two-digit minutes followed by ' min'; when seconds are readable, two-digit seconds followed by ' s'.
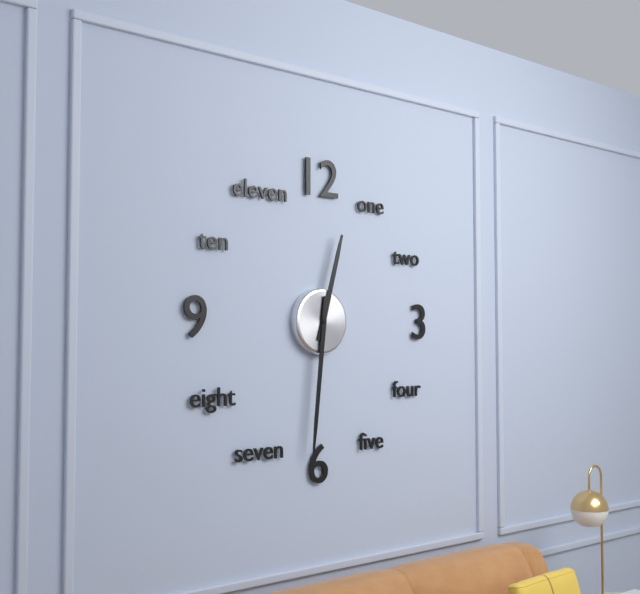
12 h 31 min
